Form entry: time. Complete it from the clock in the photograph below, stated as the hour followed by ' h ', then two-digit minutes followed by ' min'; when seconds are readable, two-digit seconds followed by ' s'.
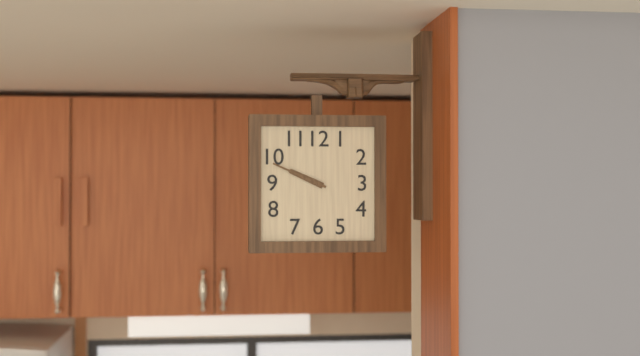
9 h 49 min
